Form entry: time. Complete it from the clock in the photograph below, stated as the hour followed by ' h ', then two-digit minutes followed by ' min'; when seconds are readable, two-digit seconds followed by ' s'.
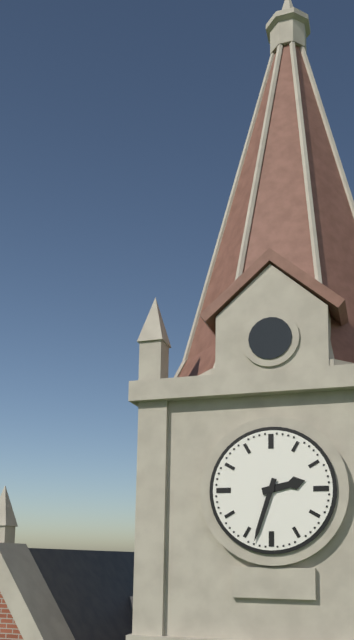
2 h 33 min
